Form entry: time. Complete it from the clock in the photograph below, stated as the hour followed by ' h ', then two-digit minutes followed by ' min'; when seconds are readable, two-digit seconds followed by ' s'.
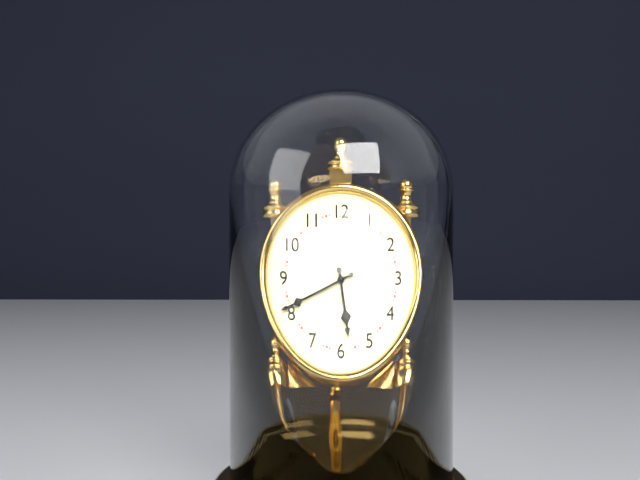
5 h 41 min
